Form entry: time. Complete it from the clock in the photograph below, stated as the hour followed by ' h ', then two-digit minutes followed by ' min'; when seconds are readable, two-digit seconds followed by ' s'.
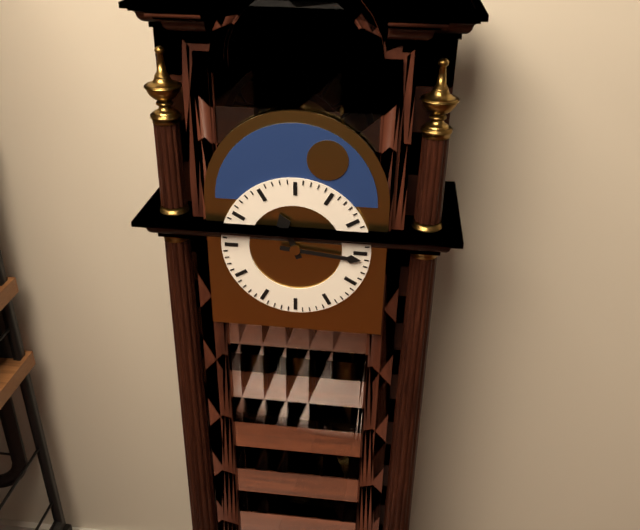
11 h 16 min
